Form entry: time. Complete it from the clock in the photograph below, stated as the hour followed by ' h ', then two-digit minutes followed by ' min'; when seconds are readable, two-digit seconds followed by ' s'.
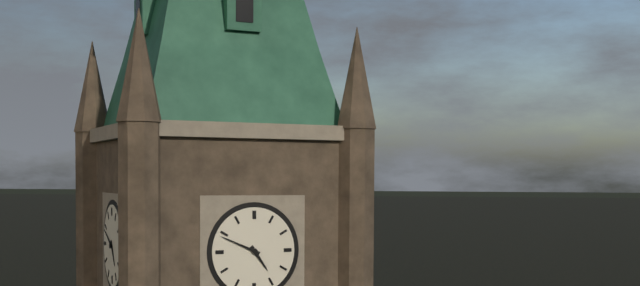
4 h 49 min
